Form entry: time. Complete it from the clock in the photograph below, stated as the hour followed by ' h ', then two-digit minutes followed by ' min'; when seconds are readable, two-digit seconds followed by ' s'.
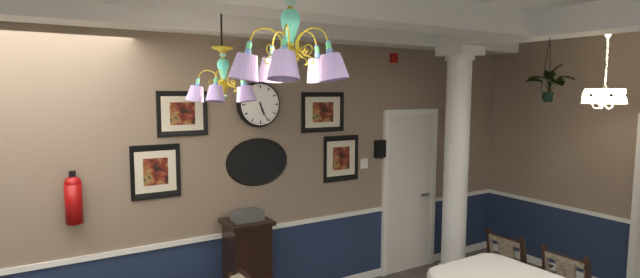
5 h 26 min
